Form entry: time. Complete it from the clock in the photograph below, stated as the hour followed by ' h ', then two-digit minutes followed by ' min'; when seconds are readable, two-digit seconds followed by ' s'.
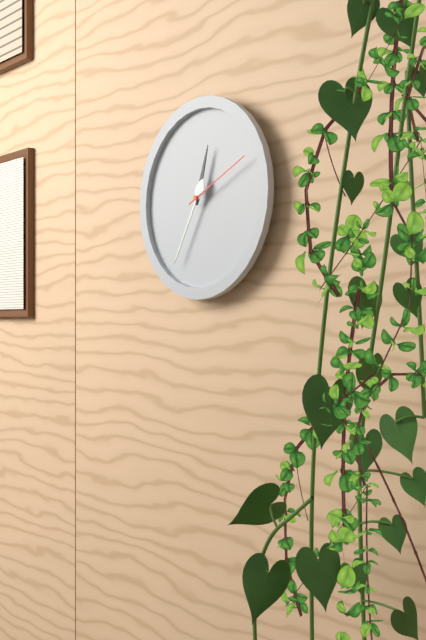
12 h 35 min 11 s
